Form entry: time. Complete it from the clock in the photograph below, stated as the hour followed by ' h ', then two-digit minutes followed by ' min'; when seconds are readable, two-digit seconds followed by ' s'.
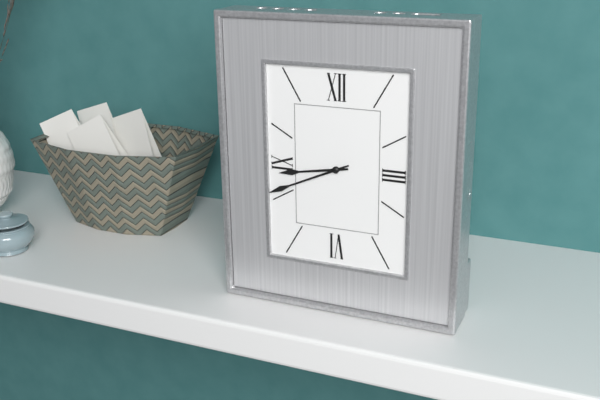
8 h 41 min
